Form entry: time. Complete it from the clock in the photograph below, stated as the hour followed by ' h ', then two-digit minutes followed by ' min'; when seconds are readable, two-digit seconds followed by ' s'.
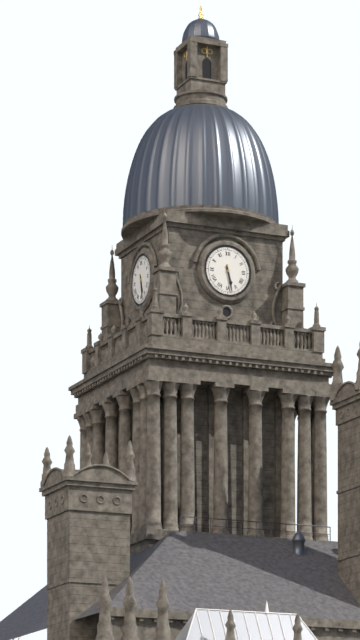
5 h 28 min
